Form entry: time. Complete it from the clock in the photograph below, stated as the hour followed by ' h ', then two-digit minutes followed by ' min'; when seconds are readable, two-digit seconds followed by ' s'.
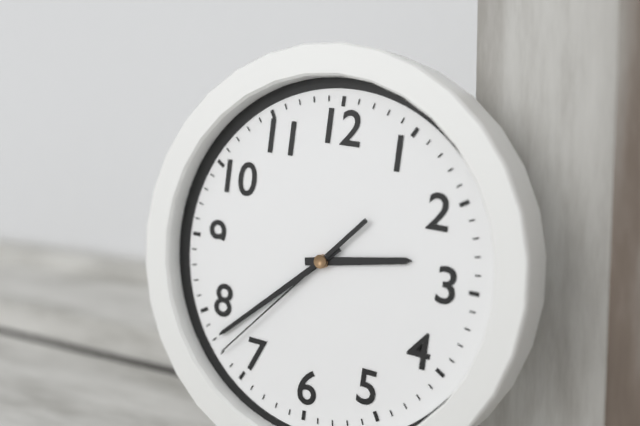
2 h 38 min 37 s
